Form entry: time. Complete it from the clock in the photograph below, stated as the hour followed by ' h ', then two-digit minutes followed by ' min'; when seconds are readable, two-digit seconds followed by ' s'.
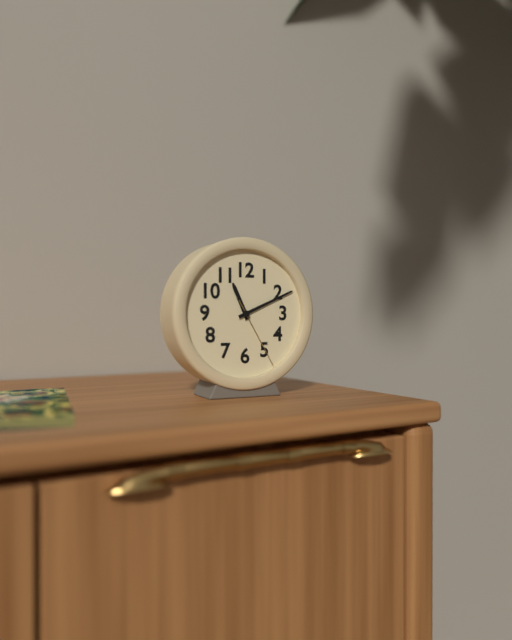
11 h 11 min 25 s
